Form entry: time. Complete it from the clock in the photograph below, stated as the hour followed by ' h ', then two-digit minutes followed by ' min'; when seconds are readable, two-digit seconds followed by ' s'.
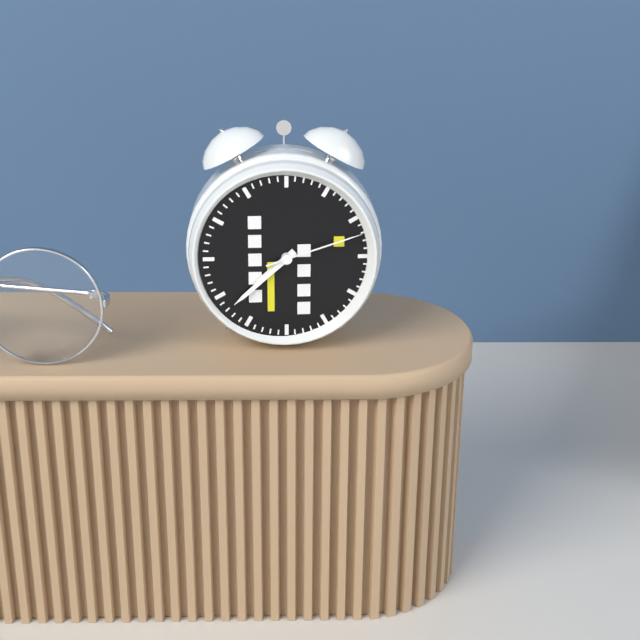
7 h 38 min 12 s
